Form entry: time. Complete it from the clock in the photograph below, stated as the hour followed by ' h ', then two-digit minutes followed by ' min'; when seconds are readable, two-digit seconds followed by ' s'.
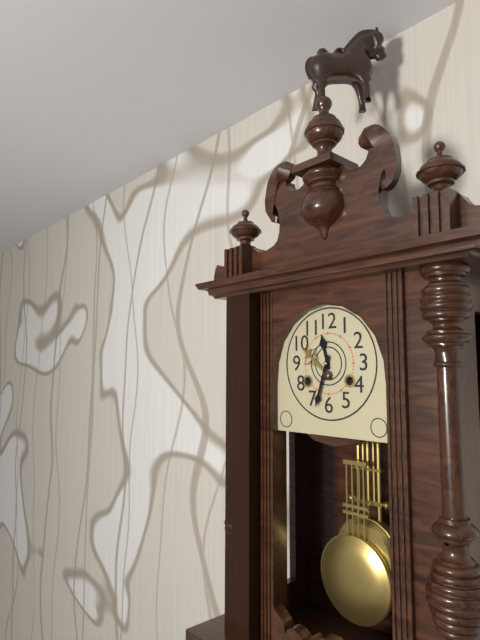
11 h 33 min
